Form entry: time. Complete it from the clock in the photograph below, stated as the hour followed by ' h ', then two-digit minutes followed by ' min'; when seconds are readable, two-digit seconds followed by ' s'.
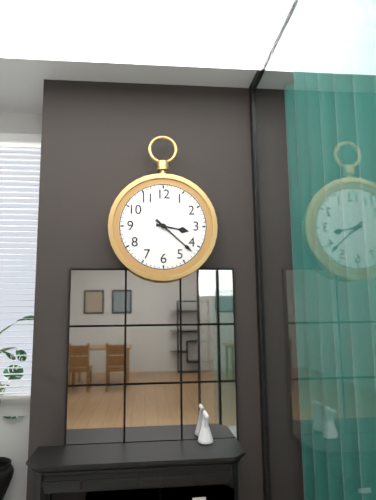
3 h 22 min
